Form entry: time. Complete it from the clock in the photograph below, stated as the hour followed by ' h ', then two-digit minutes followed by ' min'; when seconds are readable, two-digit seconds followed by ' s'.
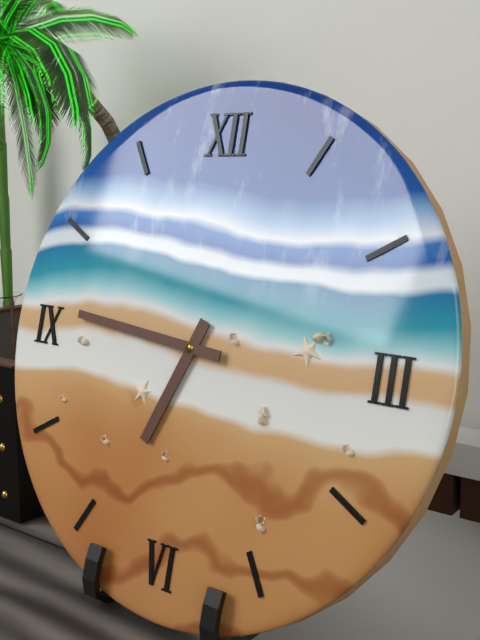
6 h 46 min
